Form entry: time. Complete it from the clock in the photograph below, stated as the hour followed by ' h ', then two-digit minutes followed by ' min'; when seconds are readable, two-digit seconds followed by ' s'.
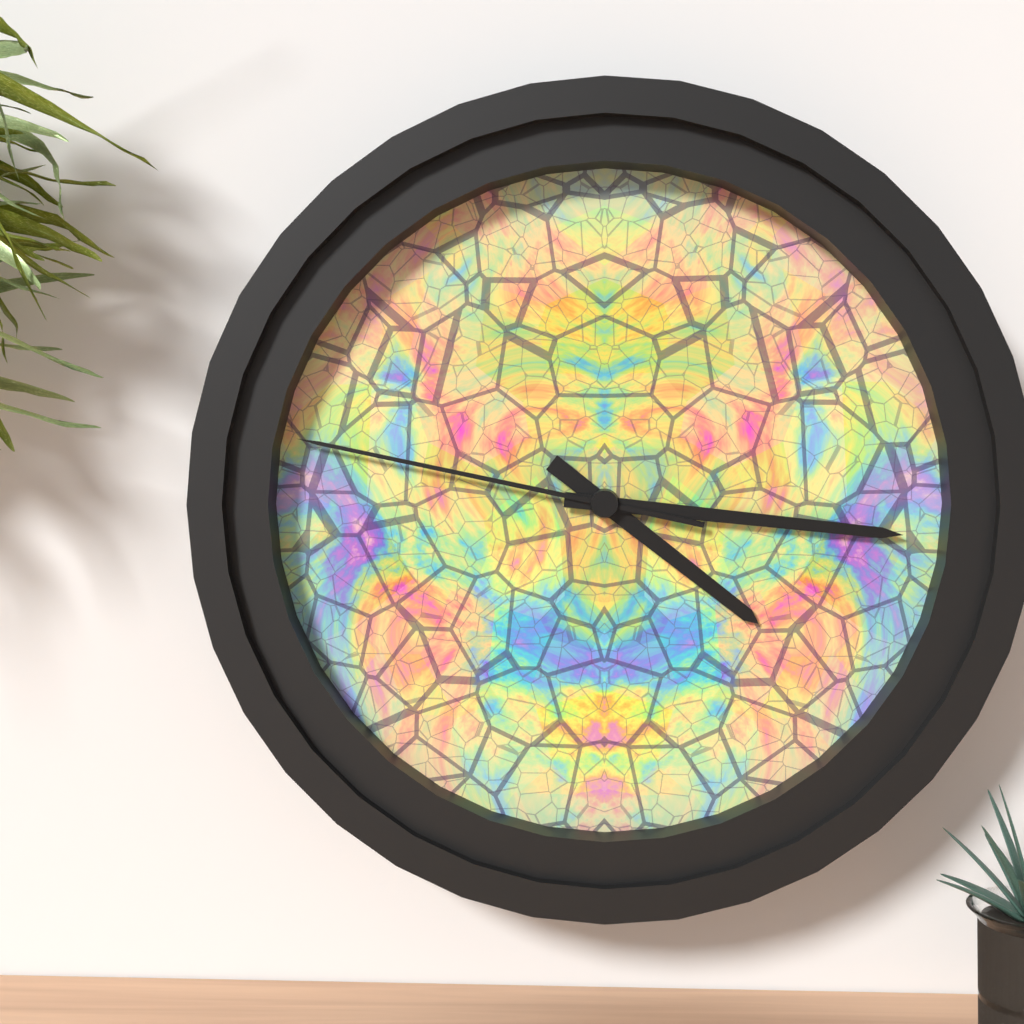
4 h 16 min 47 s
